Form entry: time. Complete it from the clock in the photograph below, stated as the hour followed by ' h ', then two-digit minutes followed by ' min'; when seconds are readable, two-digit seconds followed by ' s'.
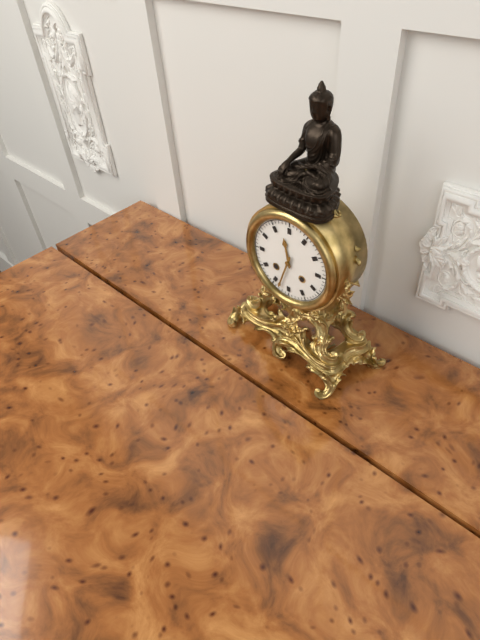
11 h 33 min
